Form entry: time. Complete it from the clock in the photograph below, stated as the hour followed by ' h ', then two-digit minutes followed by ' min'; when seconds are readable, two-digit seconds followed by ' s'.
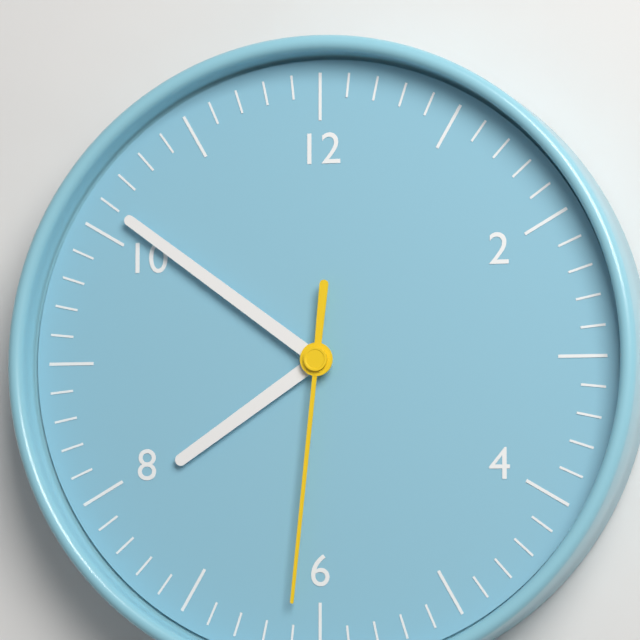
7 h 51 min 31 s
